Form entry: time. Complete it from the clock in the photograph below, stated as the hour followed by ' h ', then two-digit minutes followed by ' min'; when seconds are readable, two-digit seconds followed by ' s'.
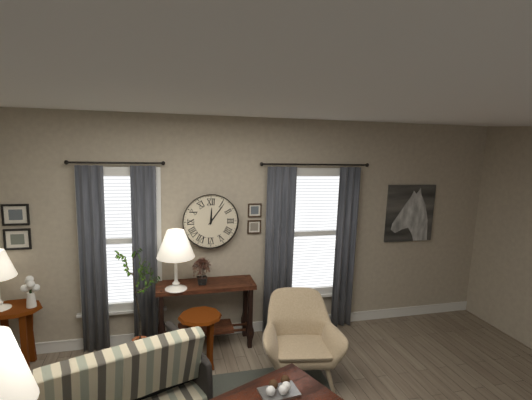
12 h 06 min
